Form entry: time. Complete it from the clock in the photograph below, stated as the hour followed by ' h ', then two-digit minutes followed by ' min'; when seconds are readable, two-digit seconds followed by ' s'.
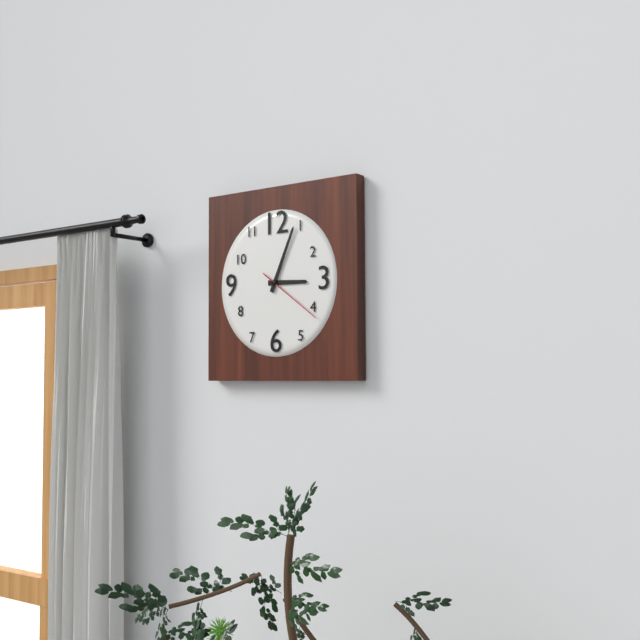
3 h 04 min 21 s
